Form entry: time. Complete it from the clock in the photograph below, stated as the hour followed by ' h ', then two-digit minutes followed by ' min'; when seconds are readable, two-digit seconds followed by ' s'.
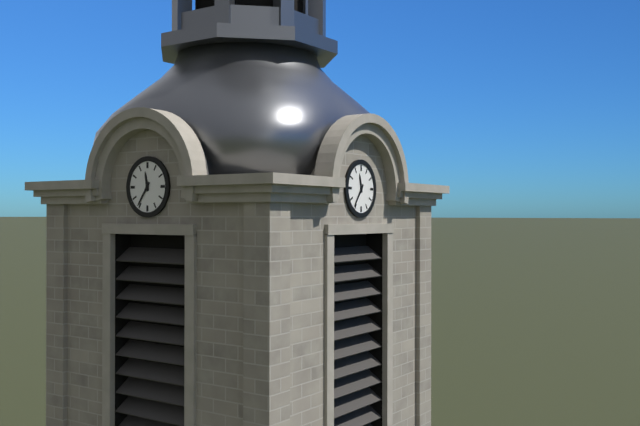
11 h 36 min
